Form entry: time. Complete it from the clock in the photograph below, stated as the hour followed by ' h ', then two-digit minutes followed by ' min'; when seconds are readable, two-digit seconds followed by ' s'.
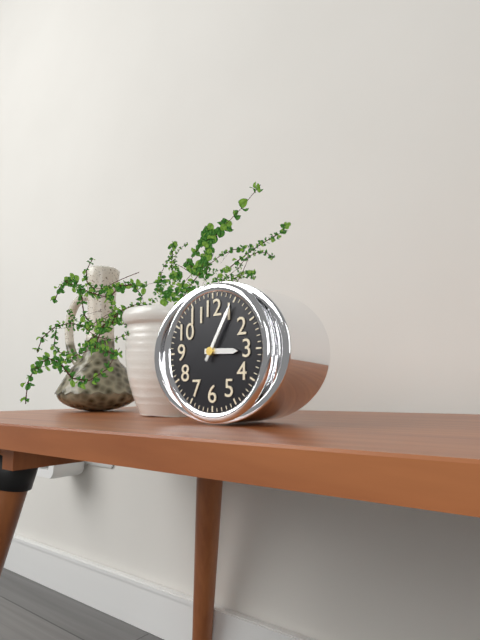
3 h 05 min
